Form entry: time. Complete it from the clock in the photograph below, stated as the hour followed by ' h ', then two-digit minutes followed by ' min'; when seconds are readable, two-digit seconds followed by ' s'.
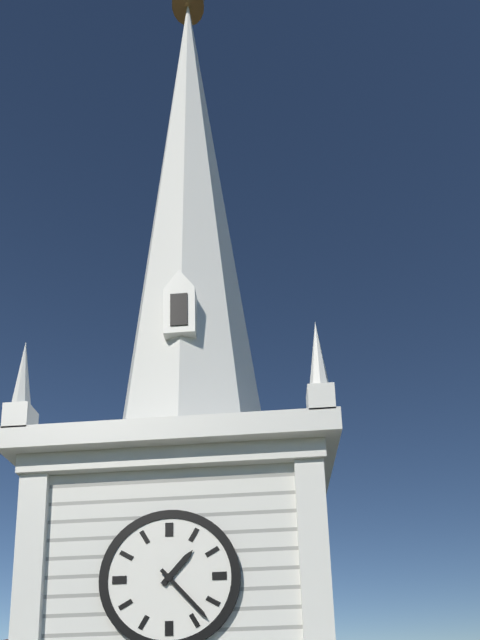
1 h 23 min
